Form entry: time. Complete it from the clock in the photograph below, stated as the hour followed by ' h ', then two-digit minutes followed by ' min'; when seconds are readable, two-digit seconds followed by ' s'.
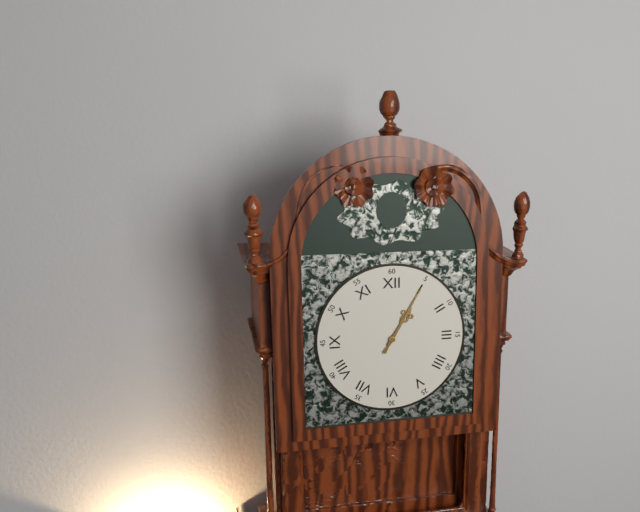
1 h 05 min
